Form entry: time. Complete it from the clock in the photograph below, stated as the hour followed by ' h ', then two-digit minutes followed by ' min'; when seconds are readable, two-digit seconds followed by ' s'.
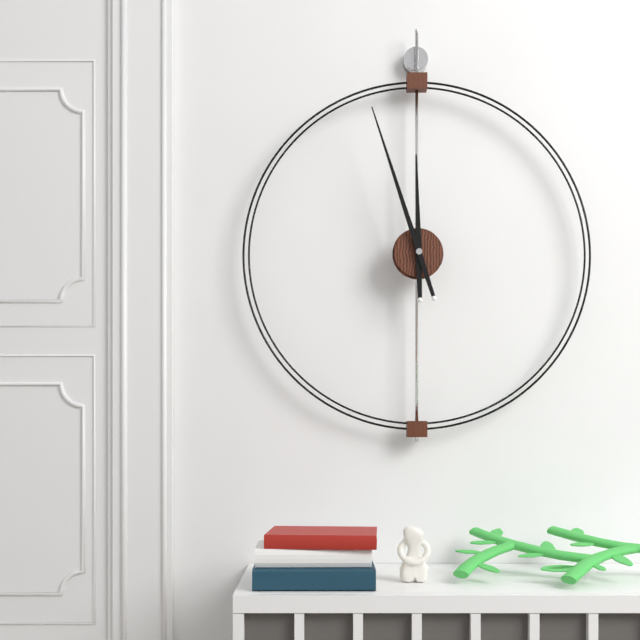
11 h 57 min
